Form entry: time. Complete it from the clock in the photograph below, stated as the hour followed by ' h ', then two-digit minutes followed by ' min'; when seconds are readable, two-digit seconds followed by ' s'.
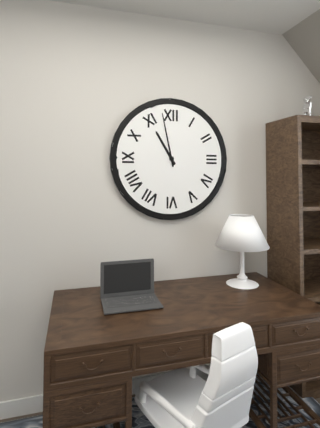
10 h 58 min
